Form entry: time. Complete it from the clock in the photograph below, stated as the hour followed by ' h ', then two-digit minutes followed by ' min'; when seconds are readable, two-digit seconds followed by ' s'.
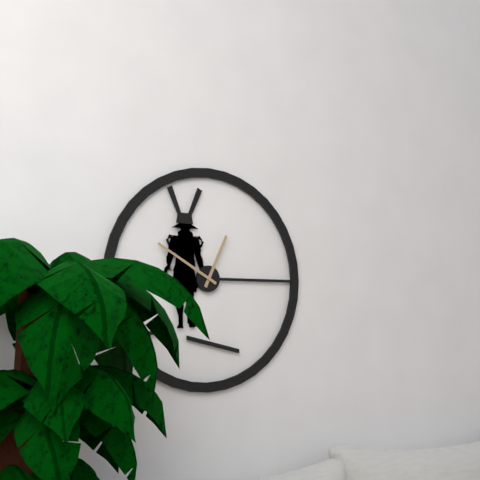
12 h 50 min
